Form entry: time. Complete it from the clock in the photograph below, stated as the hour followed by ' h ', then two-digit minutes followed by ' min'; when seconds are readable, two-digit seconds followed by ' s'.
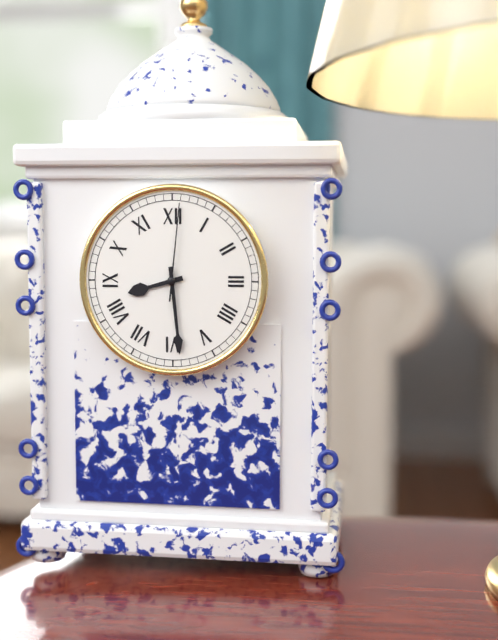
8 h 29 min 01 s
